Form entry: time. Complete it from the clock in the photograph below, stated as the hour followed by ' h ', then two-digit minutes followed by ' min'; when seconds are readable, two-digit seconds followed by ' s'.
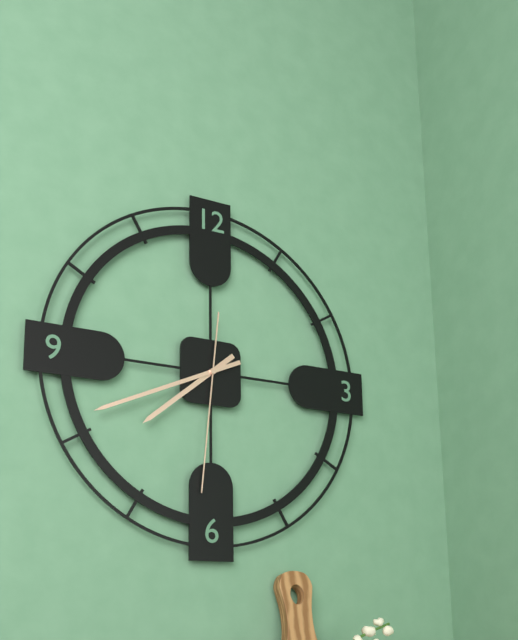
7 h 41 min 31 s
